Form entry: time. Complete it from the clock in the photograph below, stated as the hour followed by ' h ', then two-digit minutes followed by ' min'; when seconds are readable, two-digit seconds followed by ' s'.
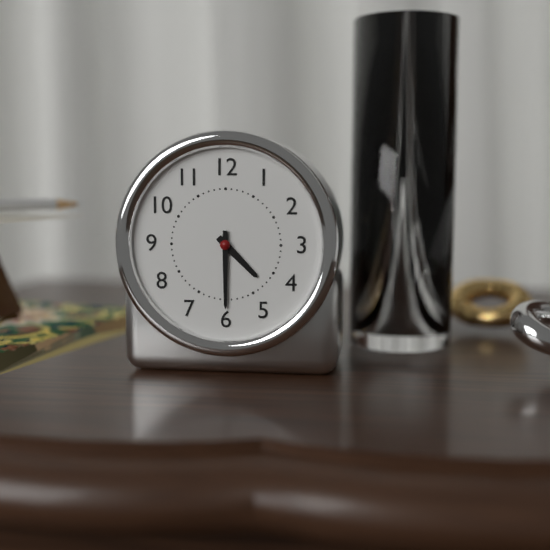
4 h 30 min
